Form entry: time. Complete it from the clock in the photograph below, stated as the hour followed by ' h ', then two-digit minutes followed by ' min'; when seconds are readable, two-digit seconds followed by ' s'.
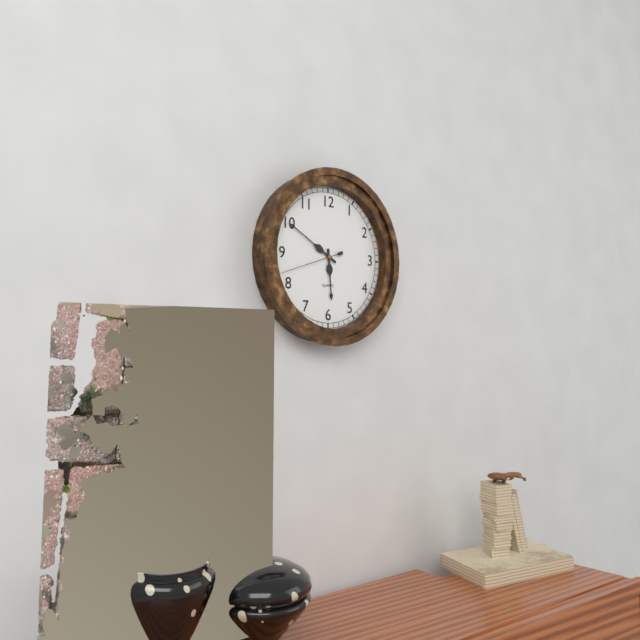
5 h 50 min 42 s
